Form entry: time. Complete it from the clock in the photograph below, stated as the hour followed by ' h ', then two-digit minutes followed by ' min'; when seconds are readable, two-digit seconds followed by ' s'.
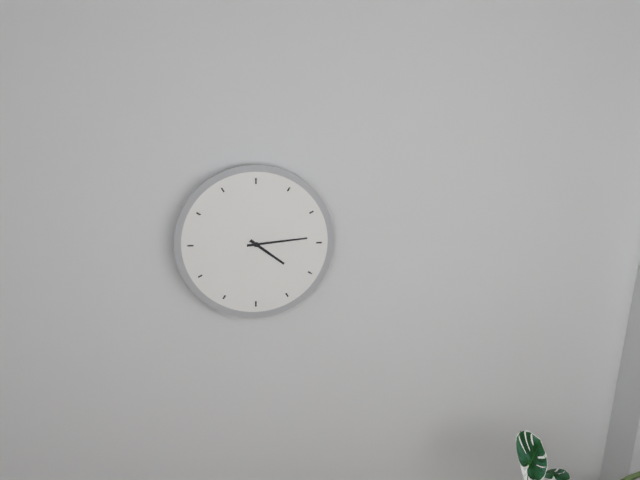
4 h 14 min
